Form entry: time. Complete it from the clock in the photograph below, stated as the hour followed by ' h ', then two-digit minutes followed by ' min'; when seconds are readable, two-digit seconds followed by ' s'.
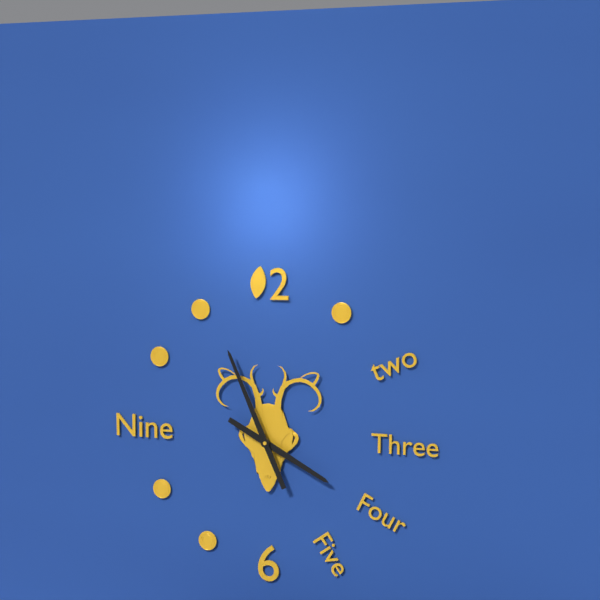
3 h 56 min
